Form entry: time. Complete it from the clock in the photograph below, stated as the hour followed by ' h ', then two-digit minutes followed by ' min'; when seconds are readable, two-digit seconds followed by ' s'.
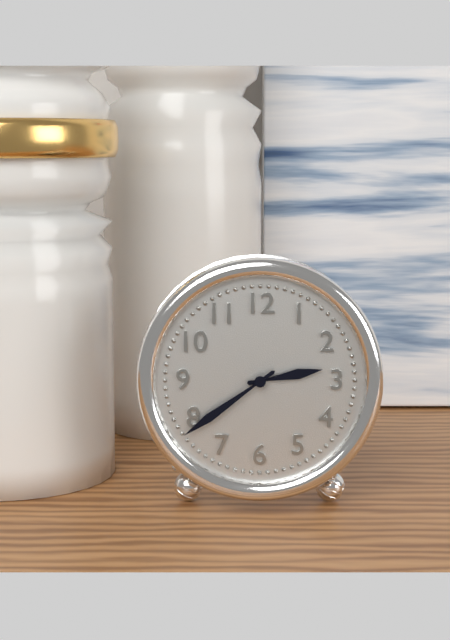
2 h 39 min
